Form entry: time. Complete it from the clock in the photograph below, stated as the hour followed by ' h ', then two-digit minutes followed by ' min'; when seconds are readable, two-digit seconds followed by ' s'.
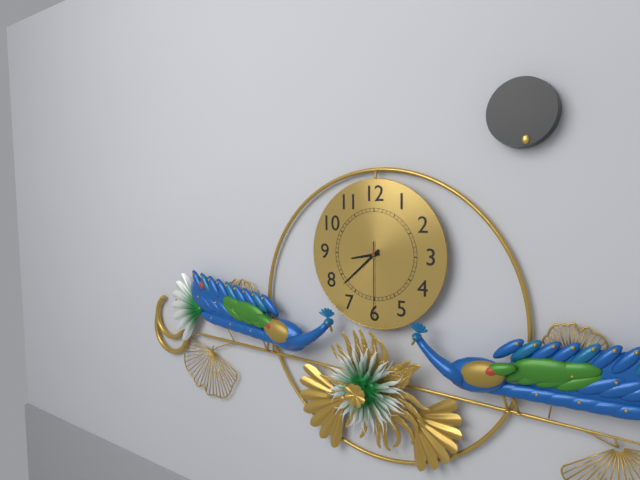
8 h 38 min 30 s
